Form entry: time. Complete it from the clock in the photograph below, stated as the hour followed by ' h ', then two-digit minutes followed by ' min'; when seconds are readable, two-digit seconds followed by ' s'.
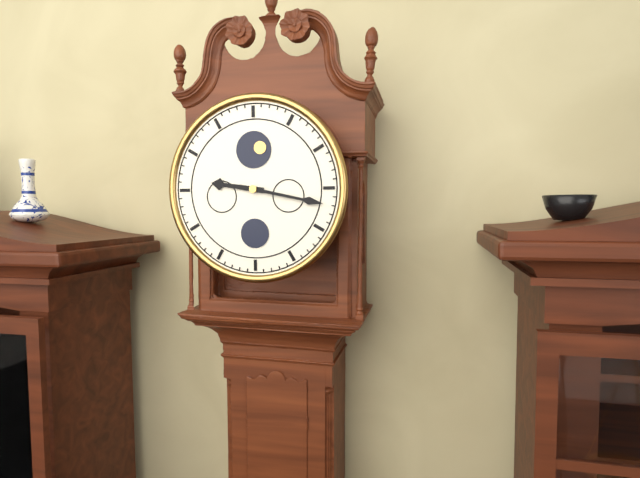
9 h 17 min
